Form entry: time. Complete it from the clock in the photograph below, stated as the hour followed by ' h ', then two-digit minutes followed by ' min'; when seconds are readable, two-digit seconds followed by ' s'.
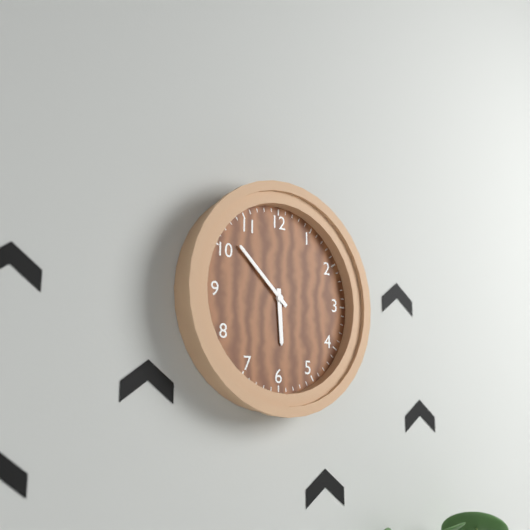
5 h 52 min
